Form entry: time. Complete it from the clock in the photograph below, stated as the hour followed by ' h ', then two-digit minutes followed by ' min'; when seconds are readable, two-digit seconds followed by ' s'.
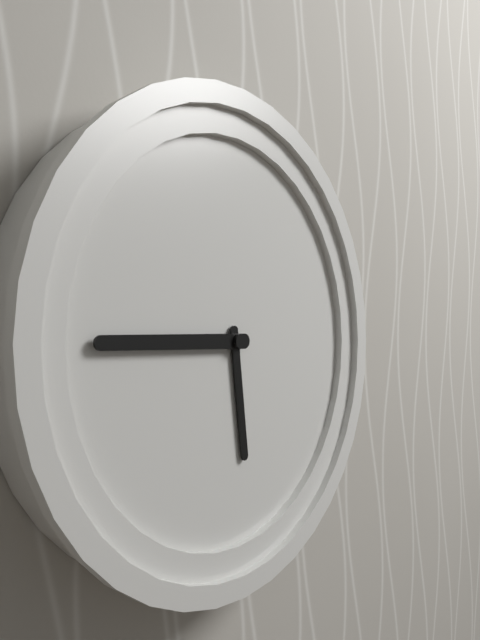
5 h 45 min
